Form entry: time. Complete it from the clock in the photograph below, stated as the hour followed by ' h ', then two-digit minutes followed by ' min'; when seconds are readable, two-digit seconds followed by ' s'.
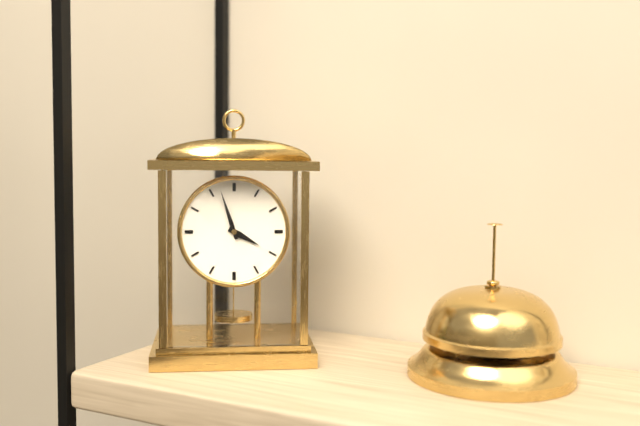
3 h 57 min
